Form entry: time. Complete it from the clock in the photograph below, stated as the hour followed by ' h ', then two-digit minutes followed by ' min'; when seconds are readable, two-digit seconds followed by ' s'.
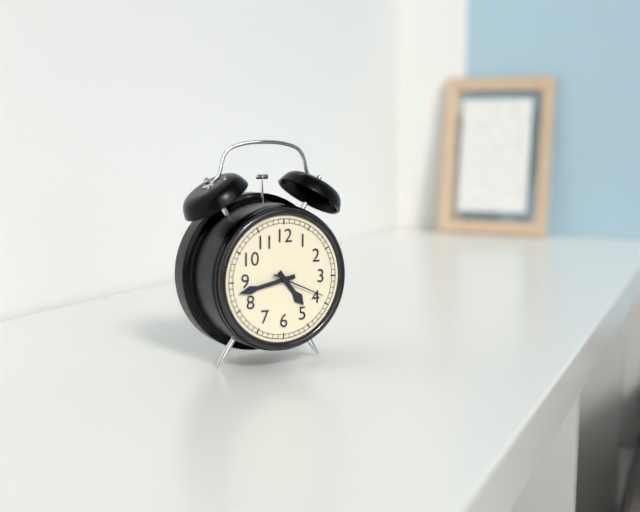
4 h 43 min 19 s
